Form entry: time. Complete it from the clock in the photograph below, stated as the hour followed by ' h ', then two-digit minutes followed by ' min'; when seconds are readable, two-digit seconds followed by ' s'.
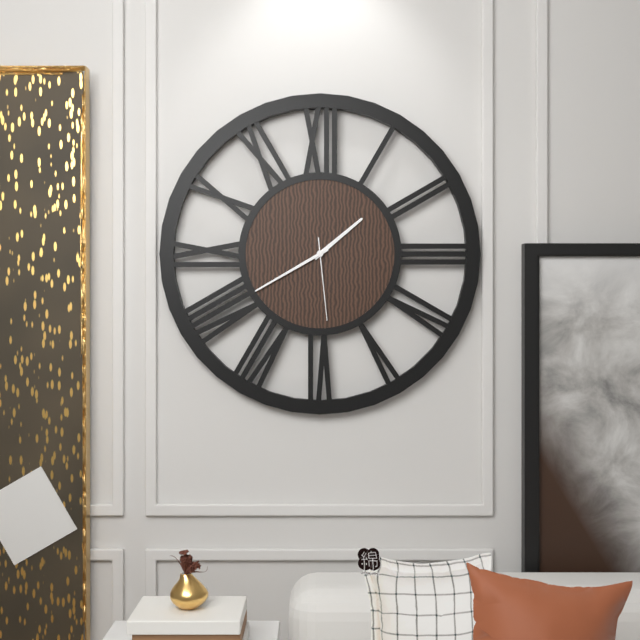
1 h 40 min 29 s
